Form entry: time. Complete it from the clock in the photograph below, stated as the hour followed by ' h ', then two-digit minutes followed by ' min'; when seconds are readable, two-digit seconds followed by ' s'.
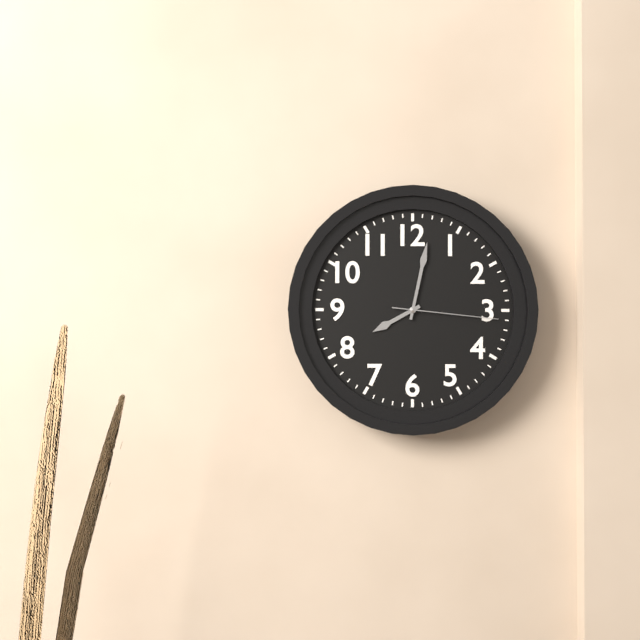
8 h 02 min 16 s
